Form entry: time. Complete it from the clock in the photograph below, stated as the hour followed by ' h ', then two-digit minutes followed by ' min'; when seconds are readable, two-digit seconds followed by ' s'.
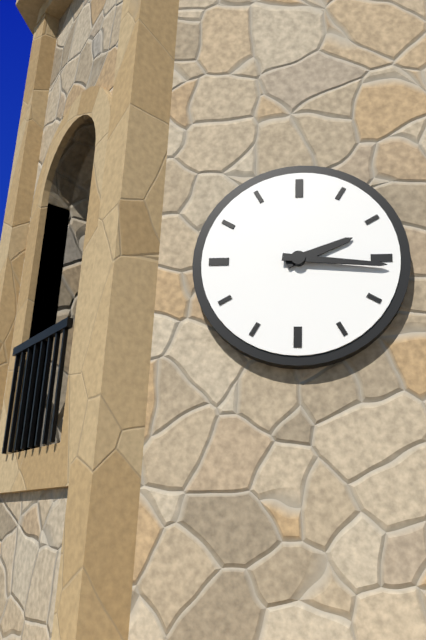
2 h 16 min
